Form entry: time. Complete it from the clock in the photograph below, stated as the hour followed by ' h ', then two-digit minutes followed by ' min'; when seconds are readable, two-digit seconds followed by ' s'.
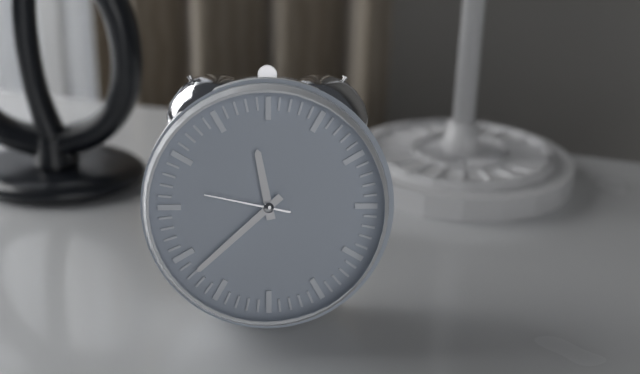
11 h 38 min 47 s
